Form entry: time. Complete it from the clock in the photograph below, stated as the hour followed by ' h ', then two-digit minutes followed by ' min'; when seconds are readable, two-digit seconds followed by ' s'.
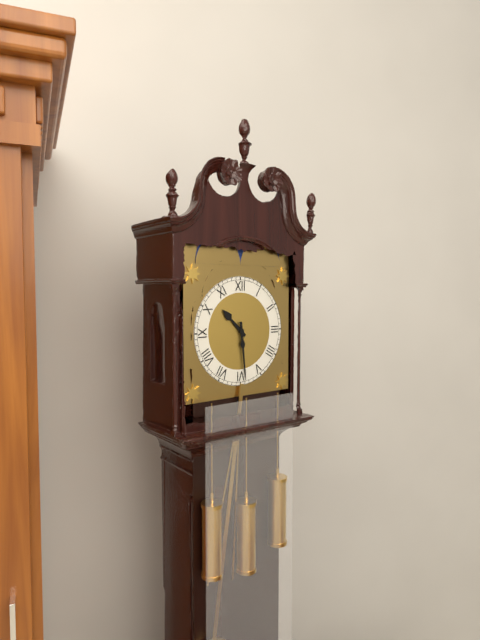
10 h 29 min
